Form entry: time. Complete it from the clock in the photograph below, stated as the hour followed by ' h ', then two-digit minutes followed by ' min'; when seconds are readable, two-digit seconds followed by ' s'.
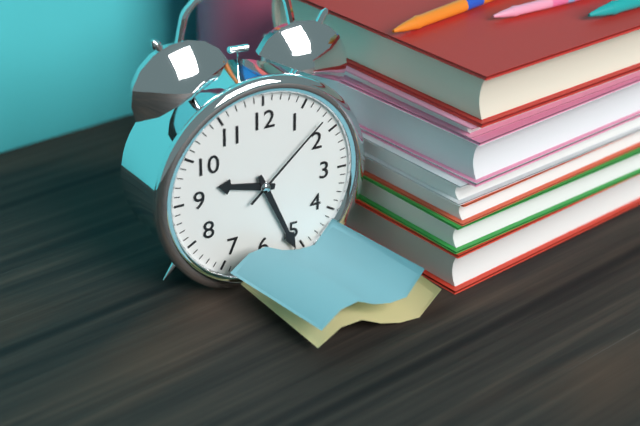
9 h 26 min 08 s
